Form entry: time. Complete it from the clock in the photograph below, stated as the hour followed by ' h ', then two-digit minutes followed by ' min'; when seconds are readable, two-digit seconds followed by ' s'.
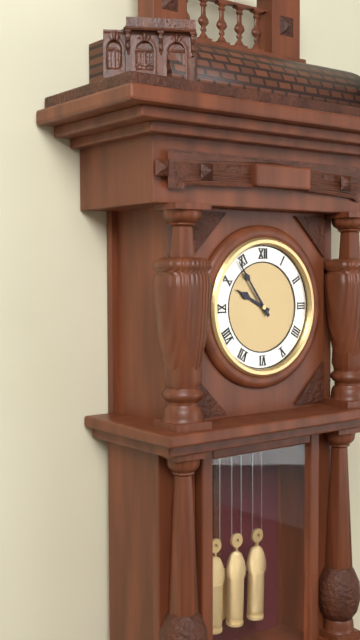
9 h 54 min
